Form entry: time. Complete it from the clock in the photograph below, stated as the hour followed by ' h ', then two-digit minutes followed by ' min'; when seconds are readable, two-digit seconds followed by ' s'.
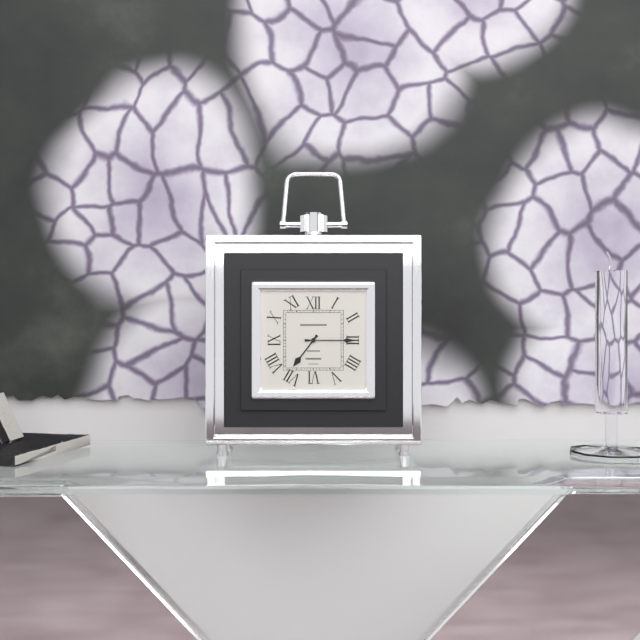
7 h 15 min
